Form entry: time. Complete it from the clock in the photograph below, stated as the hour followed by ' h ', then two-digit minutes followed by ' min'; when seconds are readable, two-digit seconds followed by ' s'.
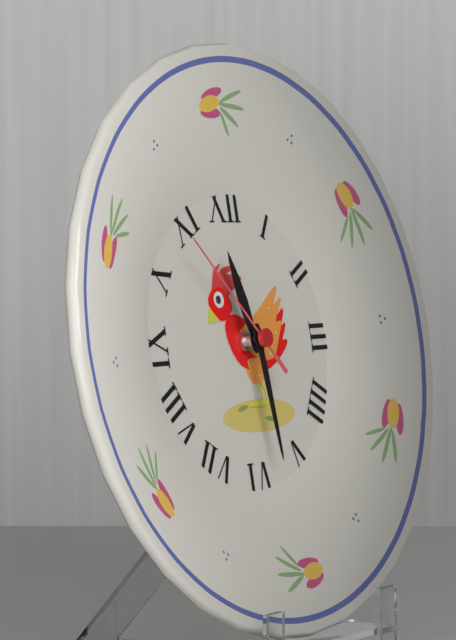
11 h 29 min 53 s
